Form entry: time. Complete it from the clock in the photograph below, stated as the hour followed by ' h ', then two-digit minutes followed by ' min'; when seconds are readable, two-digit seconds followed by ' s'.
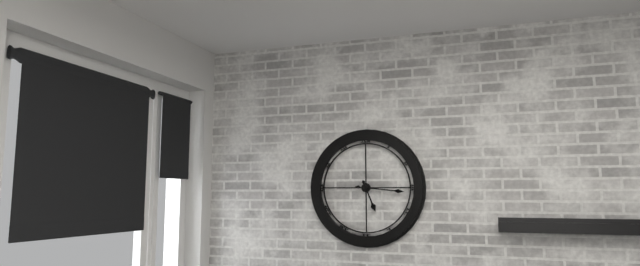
5 h 16 min
